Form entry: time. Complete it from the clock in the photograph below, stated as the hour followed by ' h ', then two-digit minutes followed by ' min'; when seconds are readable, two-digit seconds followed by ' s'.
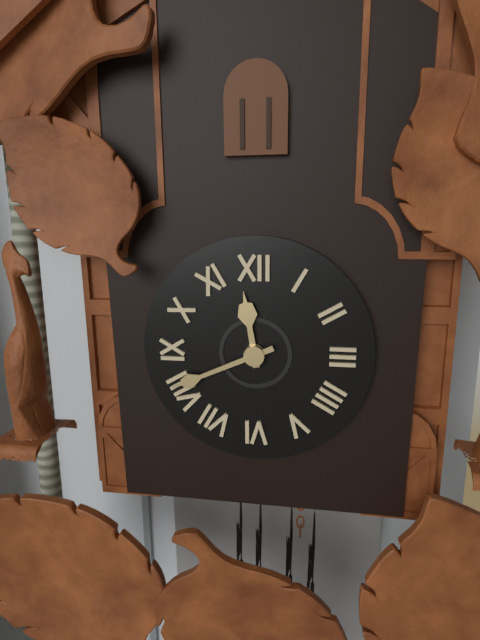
11 h 41 min
